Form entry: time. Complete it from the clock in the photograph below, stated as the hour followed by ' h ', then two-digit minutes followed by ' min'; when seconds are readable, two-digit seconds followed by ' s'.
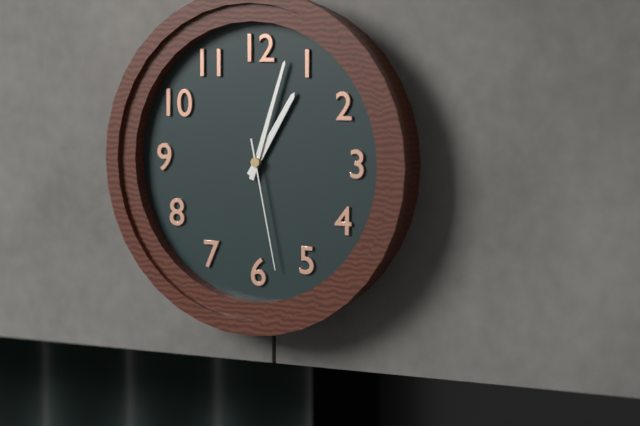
1 h 03 min 28 s
